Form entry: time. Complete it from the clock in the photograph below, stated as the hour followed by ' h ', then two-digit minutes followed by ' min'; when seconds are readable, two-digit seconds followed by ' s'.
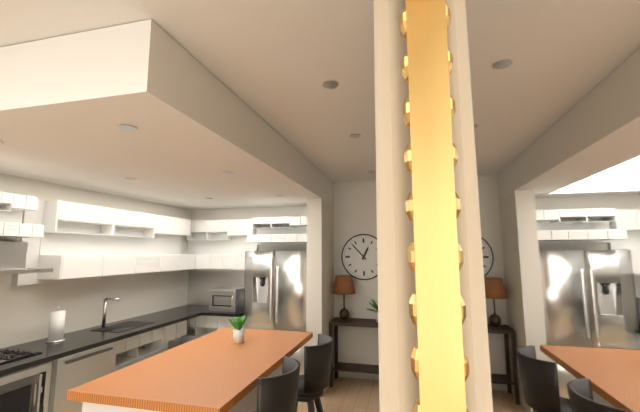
12 h 53 min
